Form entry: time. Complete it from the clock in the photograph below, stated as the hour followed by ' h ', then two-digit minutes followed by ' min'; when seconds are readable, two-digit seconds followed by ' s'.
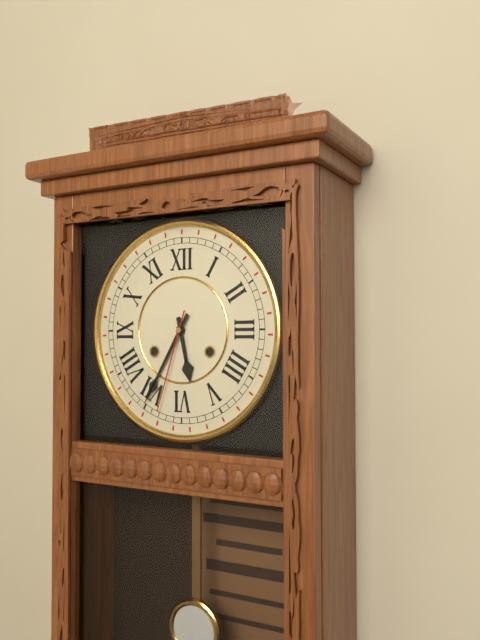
5 h 35 min 33 s
